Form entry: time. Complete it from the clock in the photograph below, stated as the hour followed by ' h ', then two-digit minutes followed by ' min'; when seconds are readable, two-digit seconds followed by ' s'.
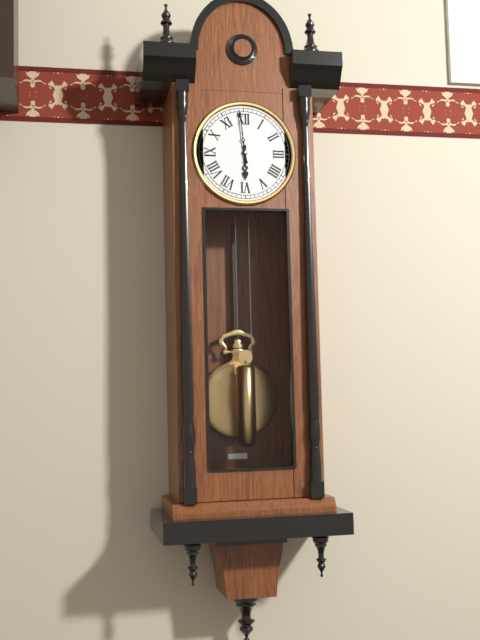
5 h 59 min
